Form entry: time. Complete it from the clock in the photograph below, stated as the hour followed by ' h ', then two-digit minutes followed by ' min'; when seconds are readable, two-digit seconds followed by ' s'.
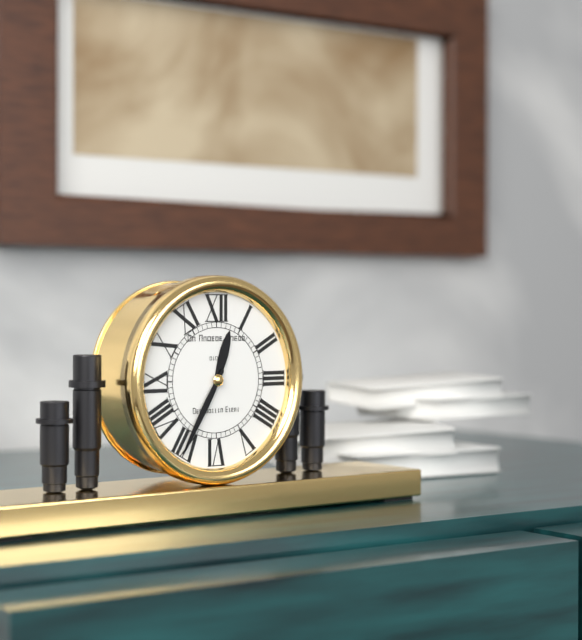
12 h 35 min
